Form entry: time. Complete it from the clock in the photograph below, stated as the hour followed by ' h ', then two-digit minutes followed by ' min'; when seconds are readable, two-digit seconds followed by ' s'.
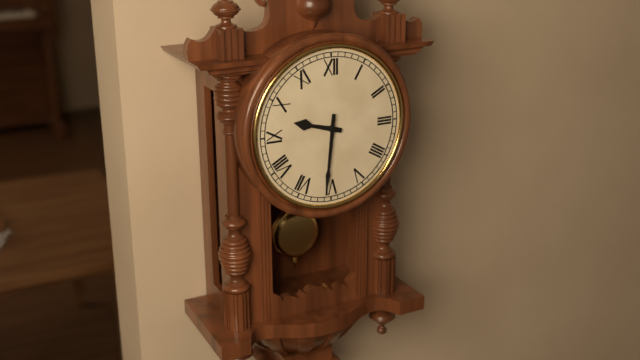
9 h 31 min
